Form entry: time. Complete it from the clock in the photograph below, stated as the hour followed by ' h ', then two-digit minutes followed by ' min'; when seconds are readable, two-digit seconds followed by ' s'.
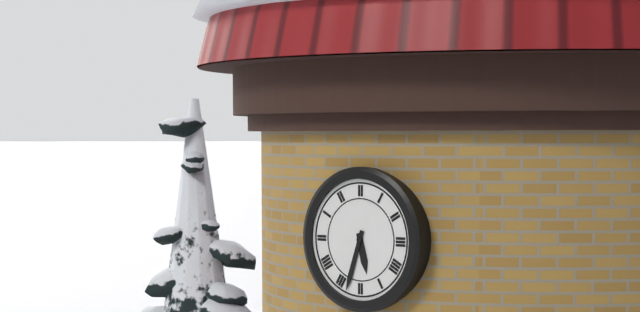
5 h 33 min
